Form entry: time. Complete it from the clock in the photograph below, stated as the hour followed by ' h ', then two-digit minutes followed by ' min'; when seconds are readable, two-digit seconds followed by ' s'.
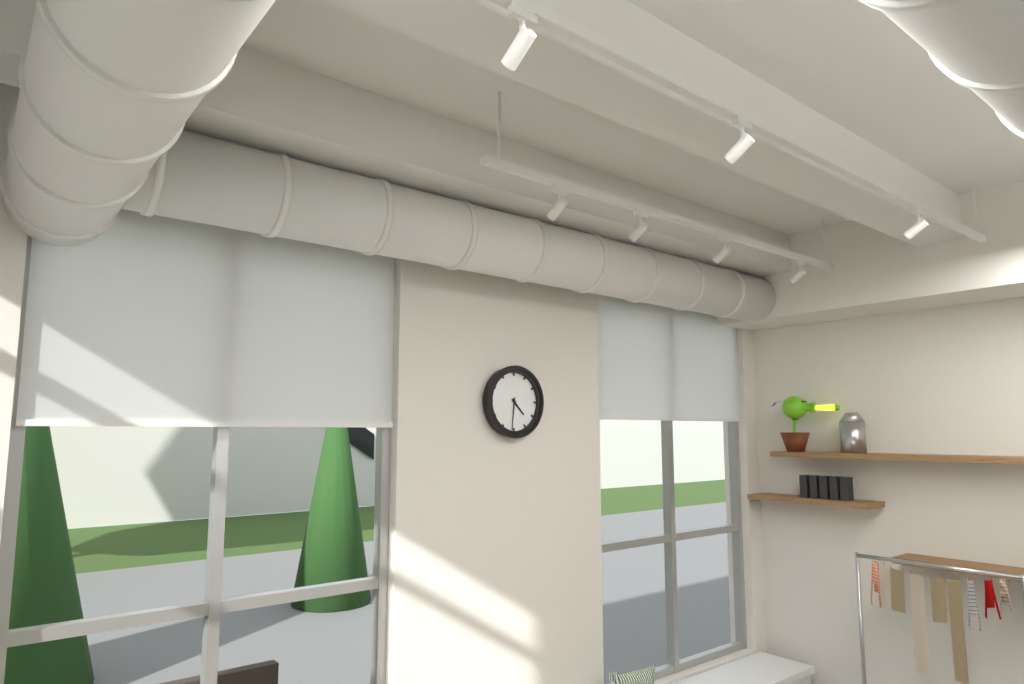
4 h 31 min
